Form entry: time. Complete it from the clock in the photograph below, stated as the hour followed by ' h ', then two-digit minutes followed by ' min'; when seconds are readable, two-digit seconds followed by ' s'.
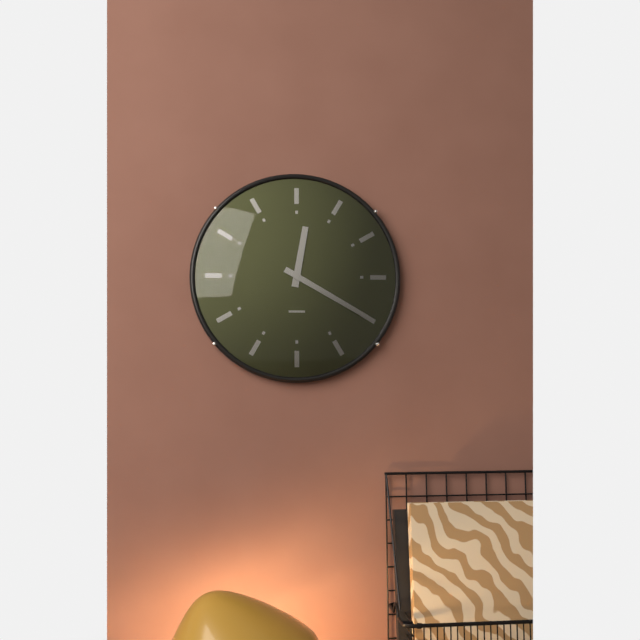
12 h 20 min
